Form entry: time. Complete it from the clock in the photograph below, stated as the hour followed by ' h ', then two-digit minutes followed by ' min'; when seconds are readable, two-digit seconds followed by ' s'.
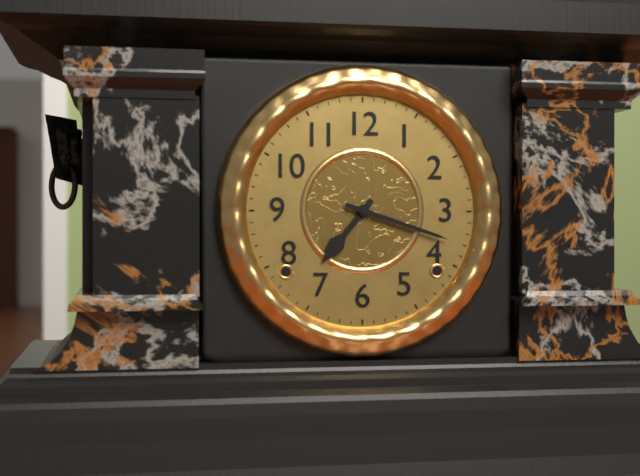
7 h 18 min
